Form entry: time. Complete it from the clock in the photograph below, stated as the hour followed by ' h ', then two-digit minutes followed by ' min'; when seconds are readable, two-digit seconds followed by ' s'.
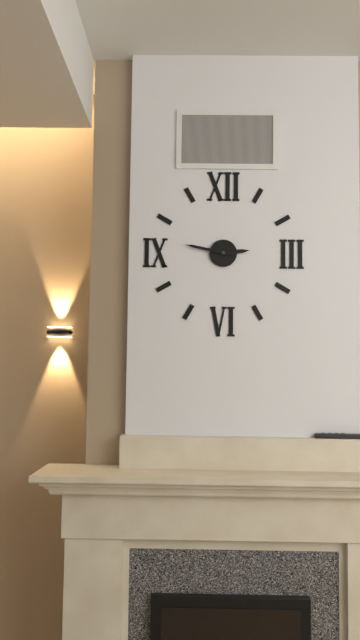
2 h 47 min
